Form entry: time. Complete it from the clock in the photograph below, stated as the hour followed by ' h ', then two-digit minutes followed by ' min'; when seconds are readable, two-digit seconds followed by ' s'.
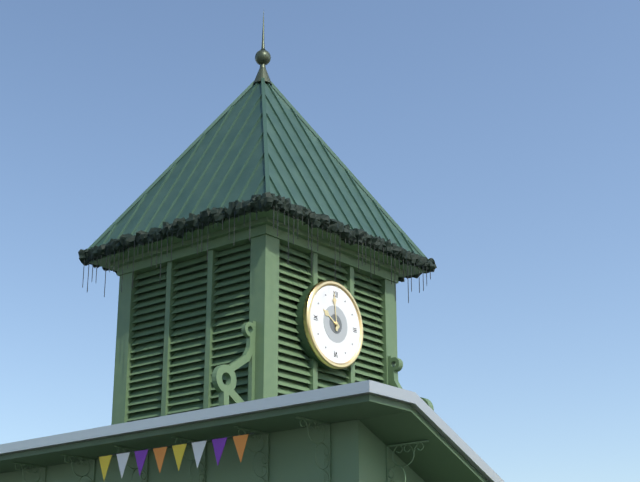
9 h 59 min
